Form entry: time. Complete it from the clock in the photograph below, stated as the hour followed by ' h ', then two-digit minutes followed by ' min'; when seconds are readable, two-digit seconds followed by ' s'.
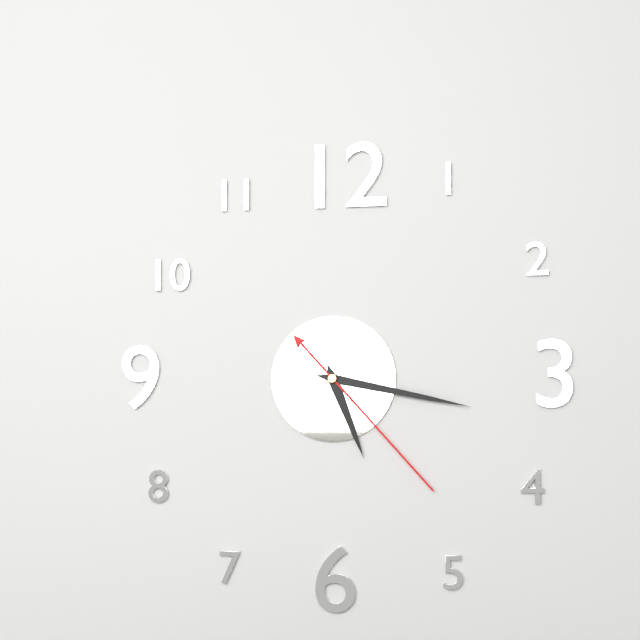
5 h 17 min 23 s
